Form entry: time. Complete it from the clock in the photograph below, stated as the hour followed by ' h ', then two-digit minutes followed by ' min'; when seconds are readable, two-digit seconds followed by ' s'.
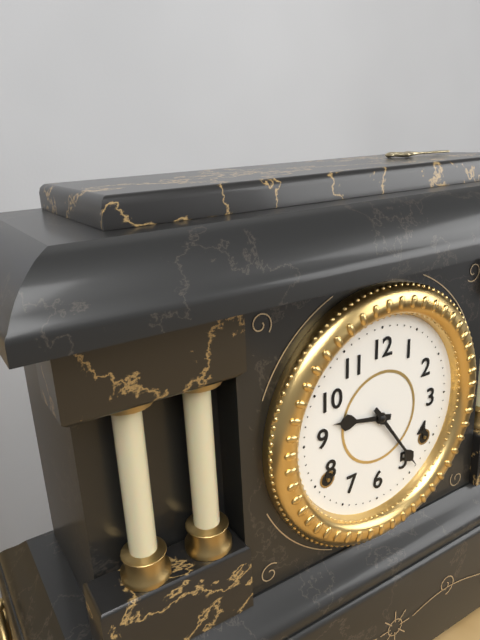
9 h 24 min
